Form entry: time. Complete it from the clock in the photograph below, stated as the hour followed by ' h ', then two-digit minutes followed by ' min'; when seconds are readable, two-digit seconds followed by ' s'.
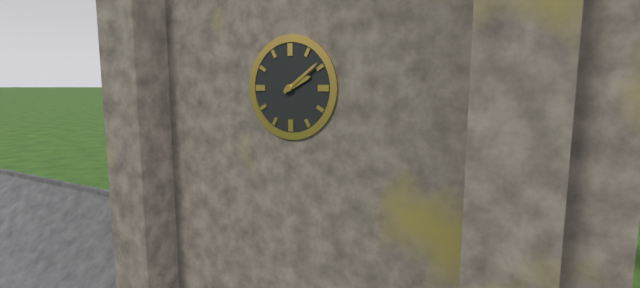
2 h 09 min
